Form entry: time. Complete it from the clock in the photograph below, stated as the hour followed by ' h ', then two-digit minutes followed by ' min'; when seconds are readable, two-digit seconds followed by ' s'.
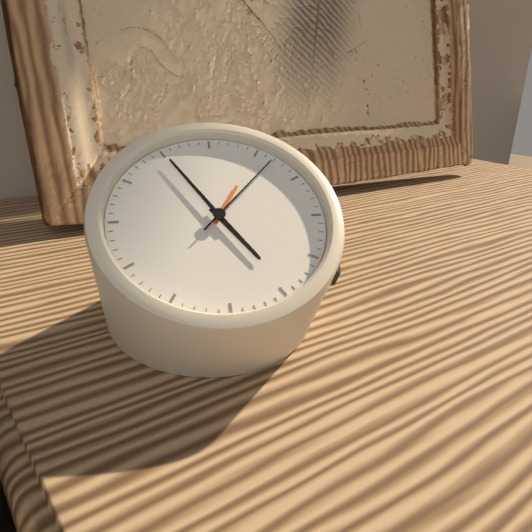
4 h 55 min 07 s
